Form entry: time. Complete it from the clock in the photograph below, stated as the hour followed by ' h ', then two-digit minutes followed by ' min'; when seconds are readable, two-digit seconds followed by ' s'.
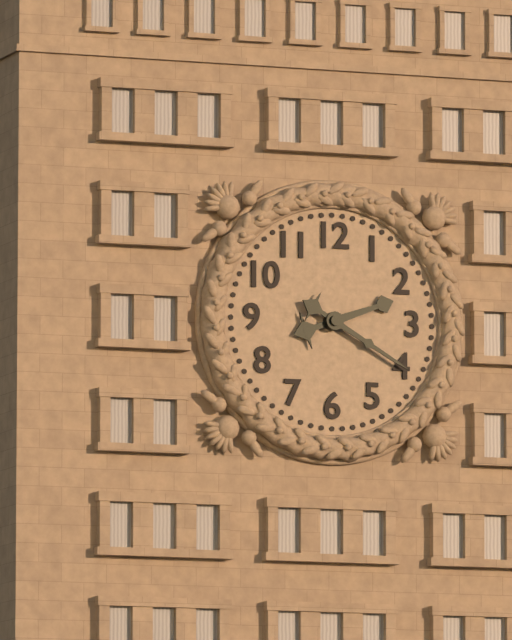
2 h 20 min
